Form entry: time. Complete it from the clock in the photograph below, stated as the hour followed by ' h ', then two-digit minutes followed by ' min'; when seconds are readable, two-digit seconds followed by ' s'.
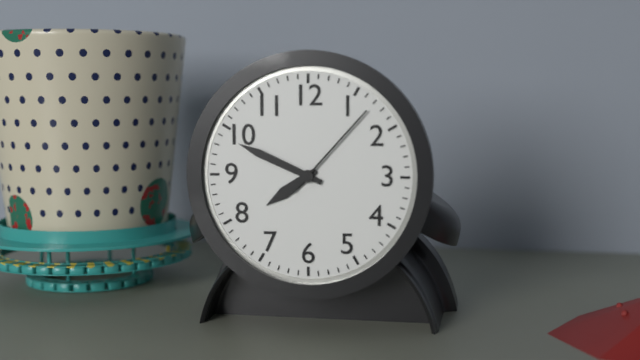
7 h 49 min 07 s
